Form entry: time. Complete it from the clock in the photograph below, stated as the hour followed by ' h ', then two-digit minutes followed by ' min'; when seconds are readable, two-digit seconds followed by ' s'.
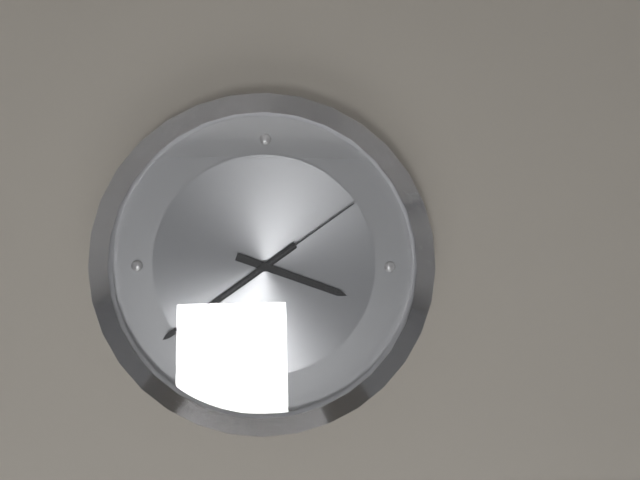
3 h 39 min 09 s
